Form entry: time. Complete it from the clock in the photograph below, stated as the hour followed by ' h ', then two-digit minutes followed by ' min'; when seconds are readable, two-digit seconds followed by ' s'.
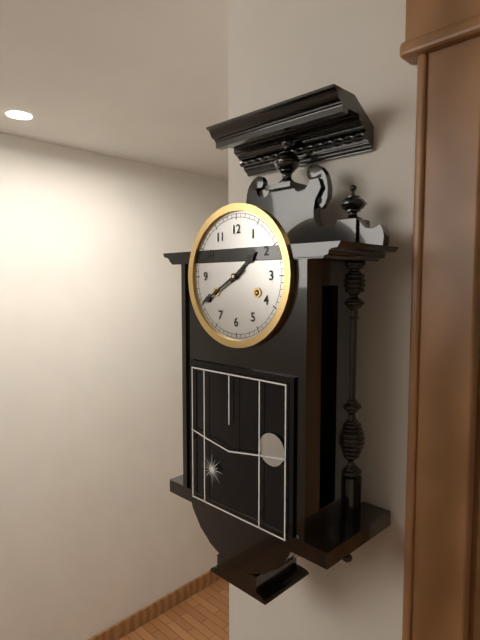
1 h 40 min
